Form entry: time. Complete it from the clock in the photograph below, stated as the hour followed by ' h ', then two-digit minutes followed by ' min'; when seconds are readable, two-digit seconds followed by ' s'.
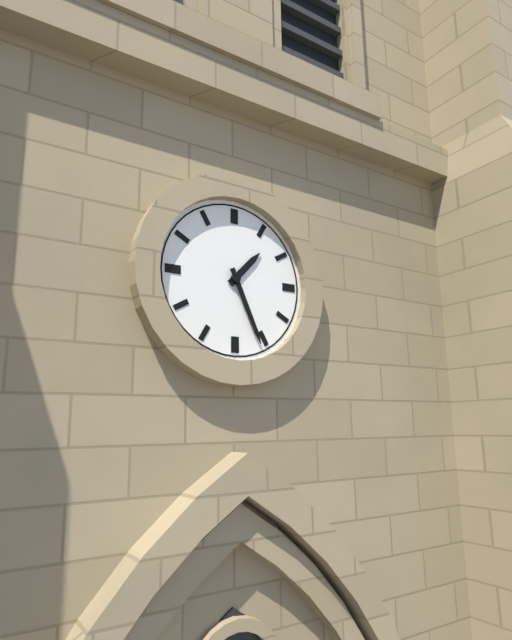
1 h 26 min
